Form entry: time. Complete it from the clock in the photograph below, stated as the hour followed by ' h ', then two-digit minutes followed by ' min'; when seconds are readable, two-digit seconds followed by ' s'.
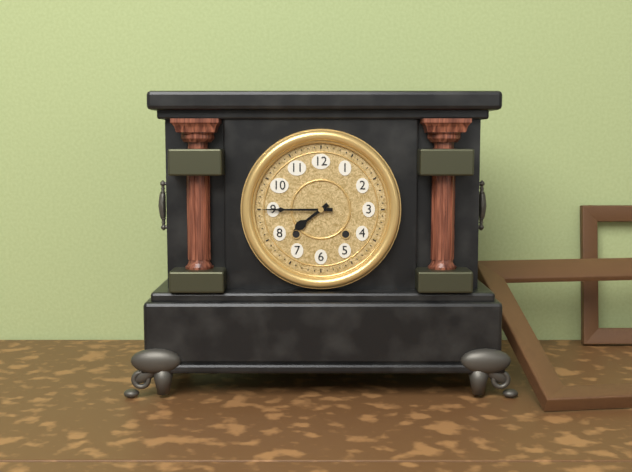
7 h 45 min
